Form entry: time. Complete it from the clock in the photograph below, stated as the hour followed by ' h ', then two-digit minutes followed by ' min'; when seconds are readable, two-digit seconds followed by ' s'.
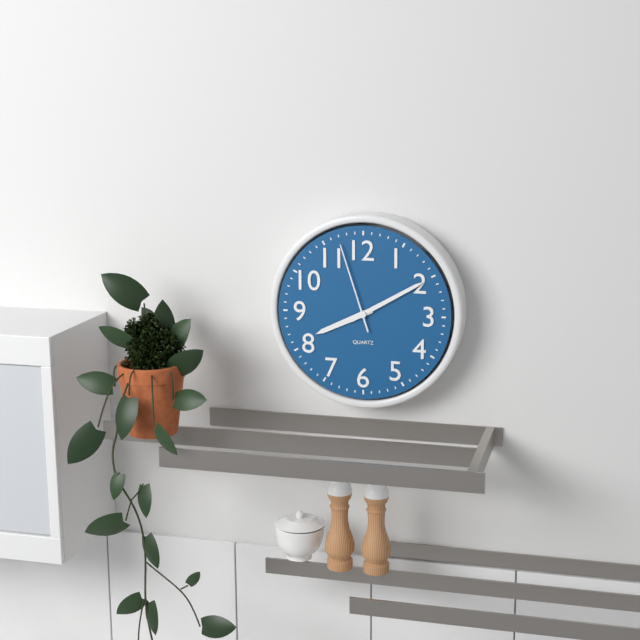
8 h 10 min 57 s
